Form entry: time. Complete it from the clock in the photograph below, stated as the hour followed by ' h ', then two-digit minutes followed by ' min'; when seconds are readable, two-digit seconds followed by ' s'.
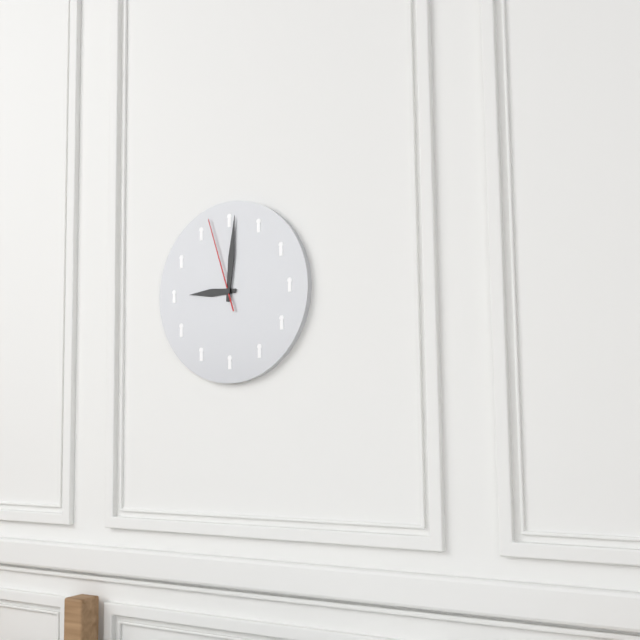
9 h 01 min 57 s
